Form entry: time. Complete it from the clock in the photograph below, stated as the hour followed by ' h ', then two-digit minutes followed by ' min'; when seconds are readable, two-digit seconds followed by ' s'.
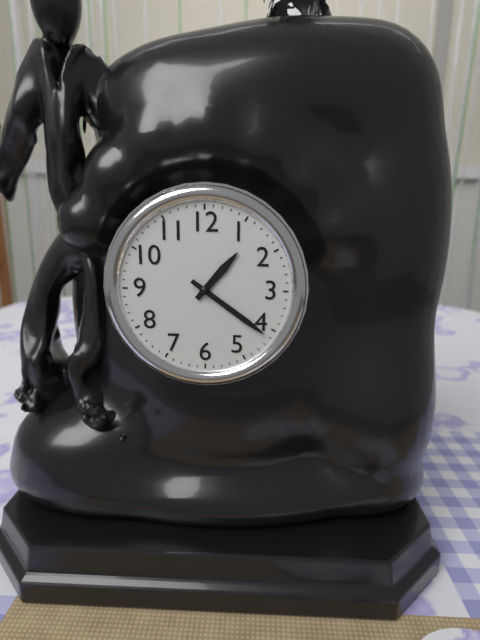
1 h 21 min
